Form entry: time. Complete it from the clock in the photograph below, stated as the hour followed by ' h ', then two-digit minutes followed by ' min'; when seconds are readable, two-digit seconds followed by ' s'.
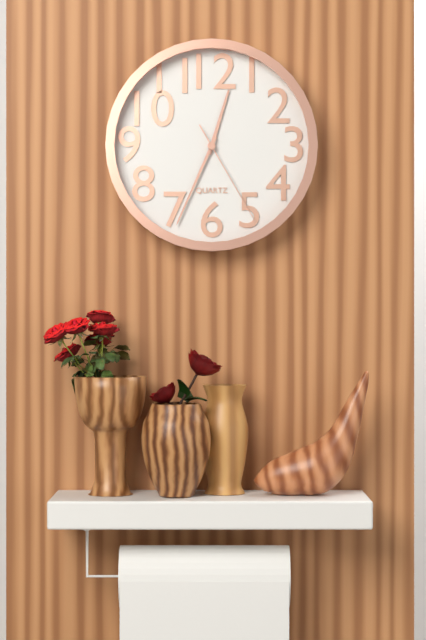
12 h 34 min 25 s
